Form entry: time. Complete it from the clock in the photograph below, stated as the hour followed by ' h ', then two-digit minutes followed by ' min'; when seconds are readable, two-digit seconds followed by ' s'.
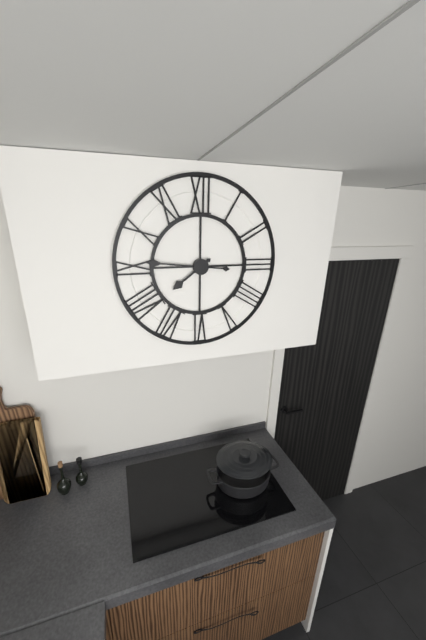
7 h 46 min
